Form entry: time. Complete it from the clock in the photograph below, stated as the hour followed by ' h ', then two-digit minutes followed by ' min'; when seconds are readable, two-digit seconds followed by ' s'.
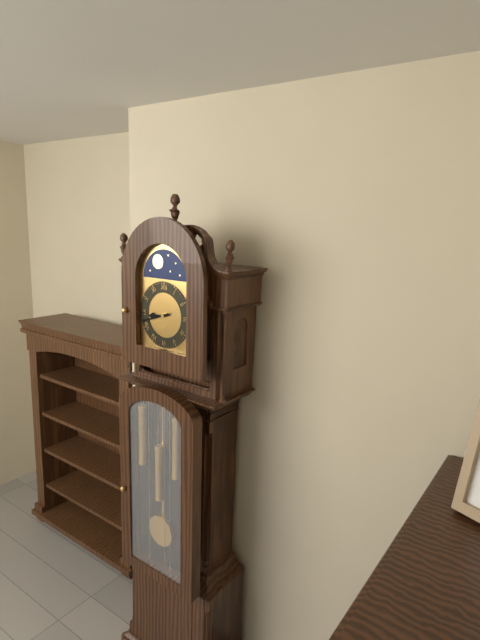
8 h 42 min
